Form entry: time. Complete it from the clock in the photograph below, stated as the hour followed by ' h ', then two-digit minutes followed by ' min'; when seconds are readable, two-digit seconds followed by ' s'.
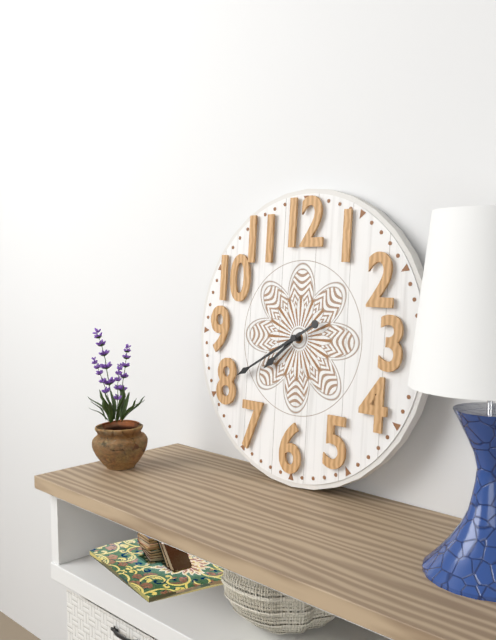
7 h 40 min
